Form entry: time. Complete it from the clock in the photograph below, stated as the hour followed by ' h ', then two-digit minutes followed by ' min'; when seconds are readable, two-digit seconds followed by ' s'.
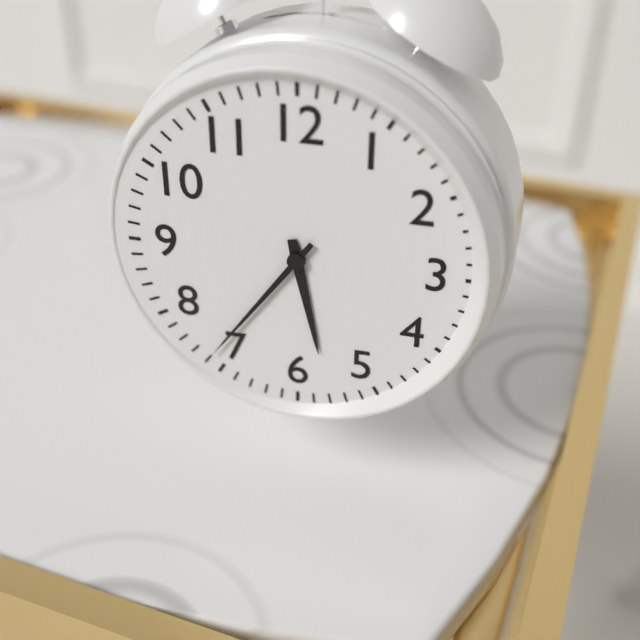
5 h 36 min
